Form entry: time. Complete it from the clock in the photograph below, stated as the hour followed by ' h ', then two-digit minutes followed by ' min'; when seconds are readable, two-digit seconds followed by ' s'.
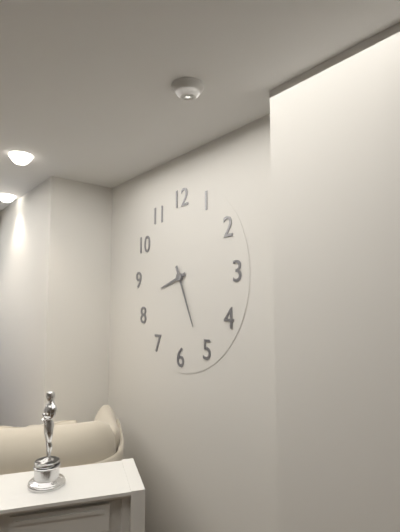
8 h 26 min
